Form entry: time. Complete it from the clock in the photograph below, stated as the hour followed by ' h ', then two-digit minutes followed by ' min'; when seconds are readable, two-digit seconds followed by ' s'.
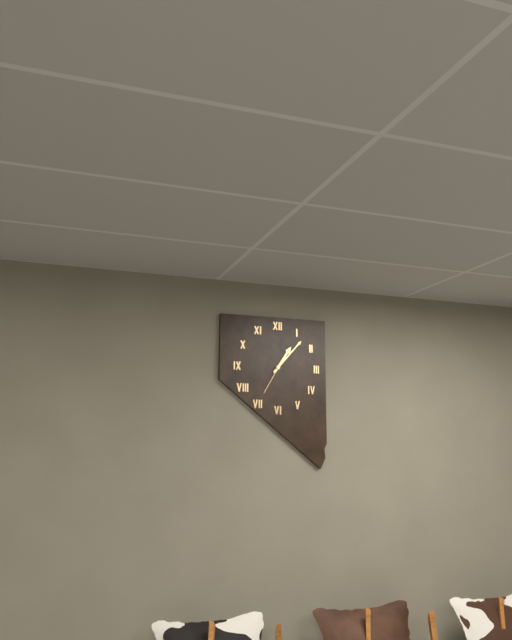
1 h 07 min
